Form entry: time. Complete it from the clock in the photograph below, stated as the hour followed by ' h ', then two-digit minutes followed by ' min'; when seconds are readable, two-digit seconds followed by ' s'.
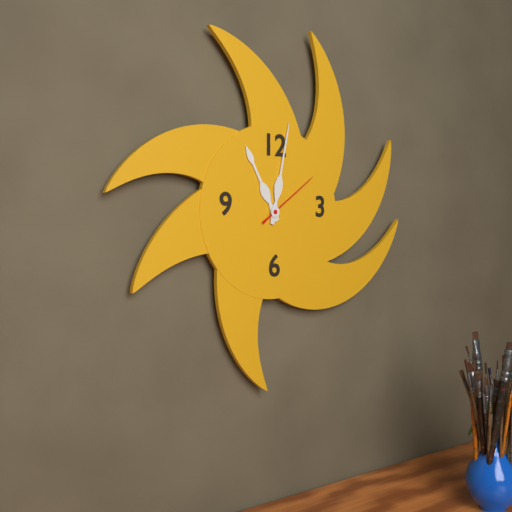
11 h 02 min 09 s
